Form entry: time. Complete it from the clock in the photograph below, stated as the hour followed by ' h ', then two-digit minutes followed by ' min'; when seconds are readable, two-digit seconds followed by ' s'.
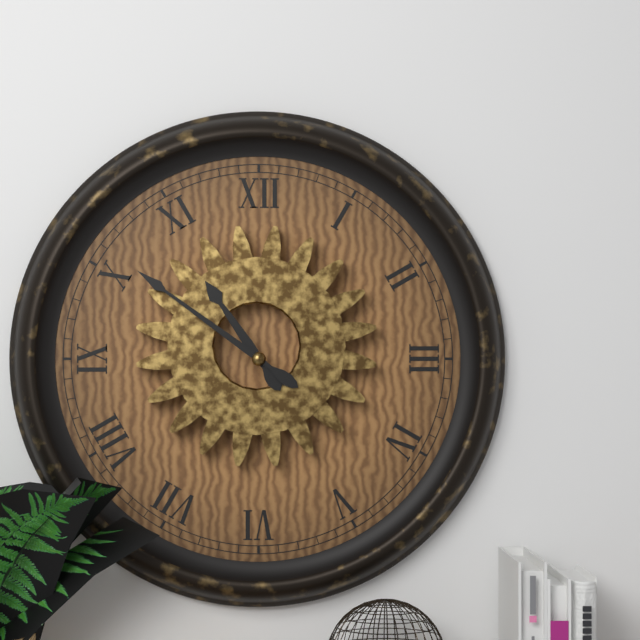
10 h 51 min
